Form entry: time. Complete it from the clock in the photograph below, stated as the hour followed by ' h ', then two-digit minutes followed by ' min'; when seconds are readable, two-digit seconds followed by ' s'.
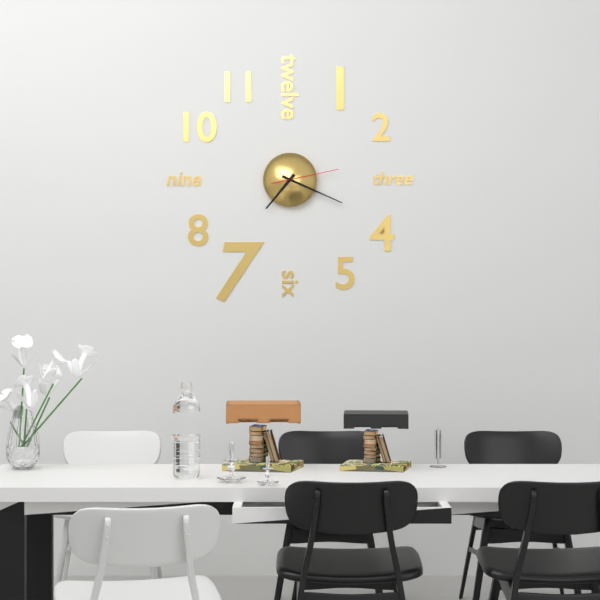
7 h 19 min 13 s
